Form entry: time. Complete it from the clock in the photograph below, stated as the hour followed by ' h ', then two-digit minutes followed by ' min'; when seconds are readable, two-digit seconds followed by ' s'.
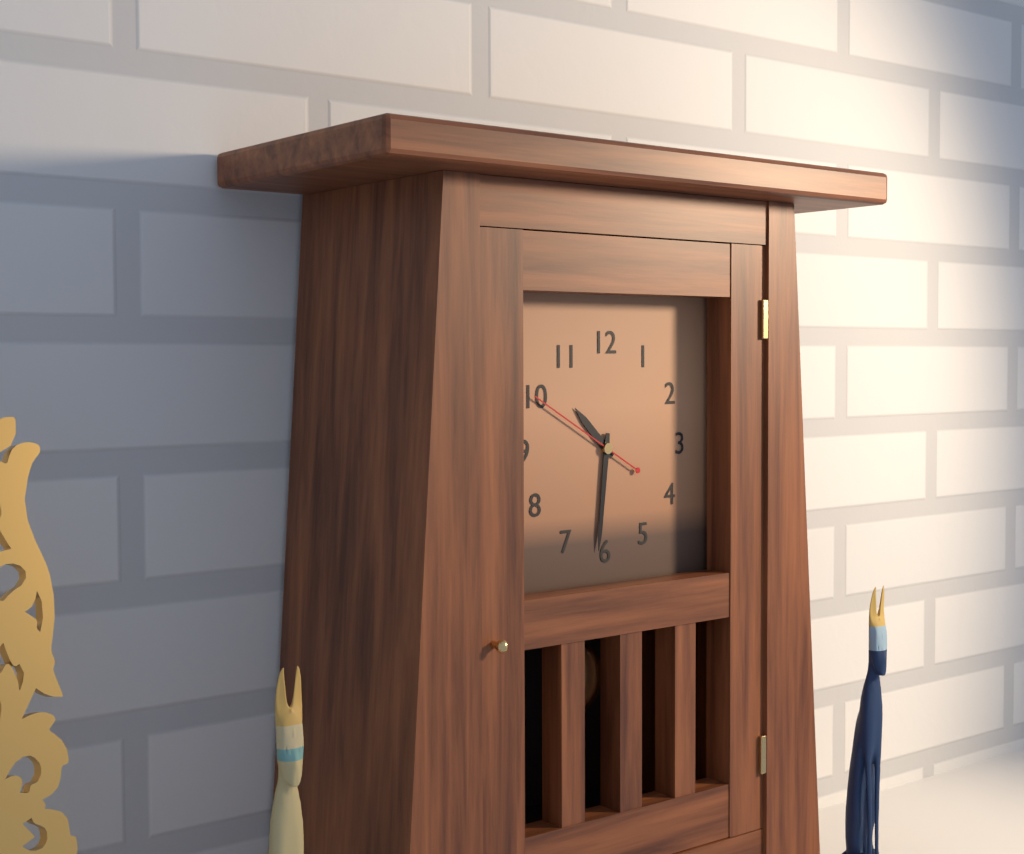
10 h 31 min 50 s
